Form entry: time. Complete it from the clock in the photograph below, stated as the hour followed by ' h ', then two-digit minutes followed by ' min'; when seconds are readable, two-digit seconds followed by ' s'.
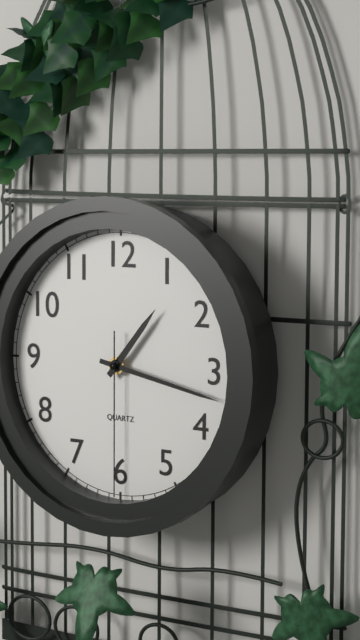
1 h 17 min 30 s
